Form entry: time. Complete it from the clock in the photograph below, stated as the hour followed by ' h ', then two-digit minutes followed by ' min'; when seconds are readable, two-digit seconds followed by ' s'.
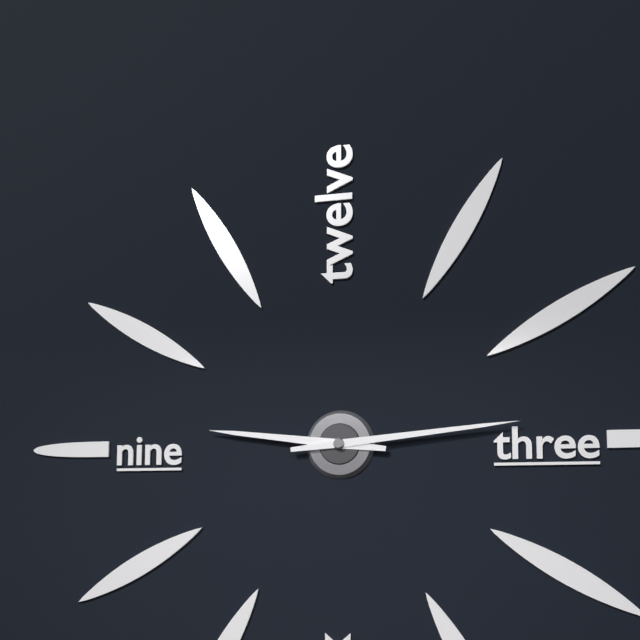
9 h 14 min
